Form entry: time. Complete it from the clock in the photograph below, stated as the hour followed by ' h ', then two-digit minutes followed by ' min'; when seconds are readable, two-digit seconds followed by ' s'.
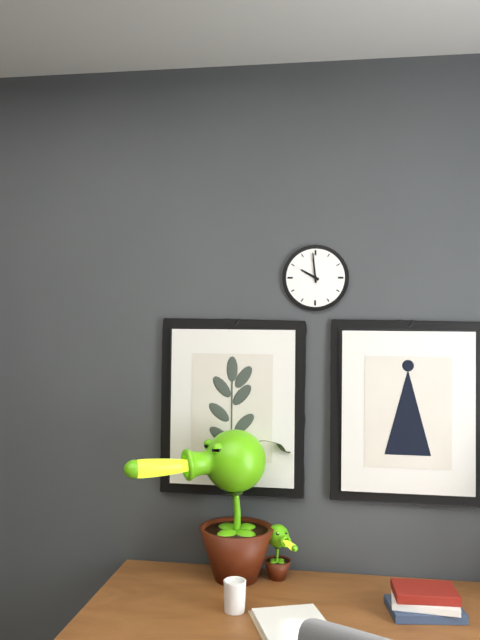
9 h 59 min
